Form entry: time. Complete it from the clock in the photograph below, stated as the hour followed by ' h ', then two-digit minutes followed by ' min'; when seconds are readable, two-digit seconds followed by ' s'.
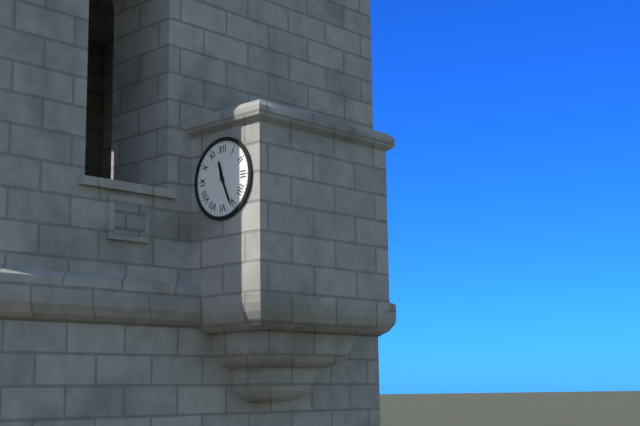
11 h 26 min
